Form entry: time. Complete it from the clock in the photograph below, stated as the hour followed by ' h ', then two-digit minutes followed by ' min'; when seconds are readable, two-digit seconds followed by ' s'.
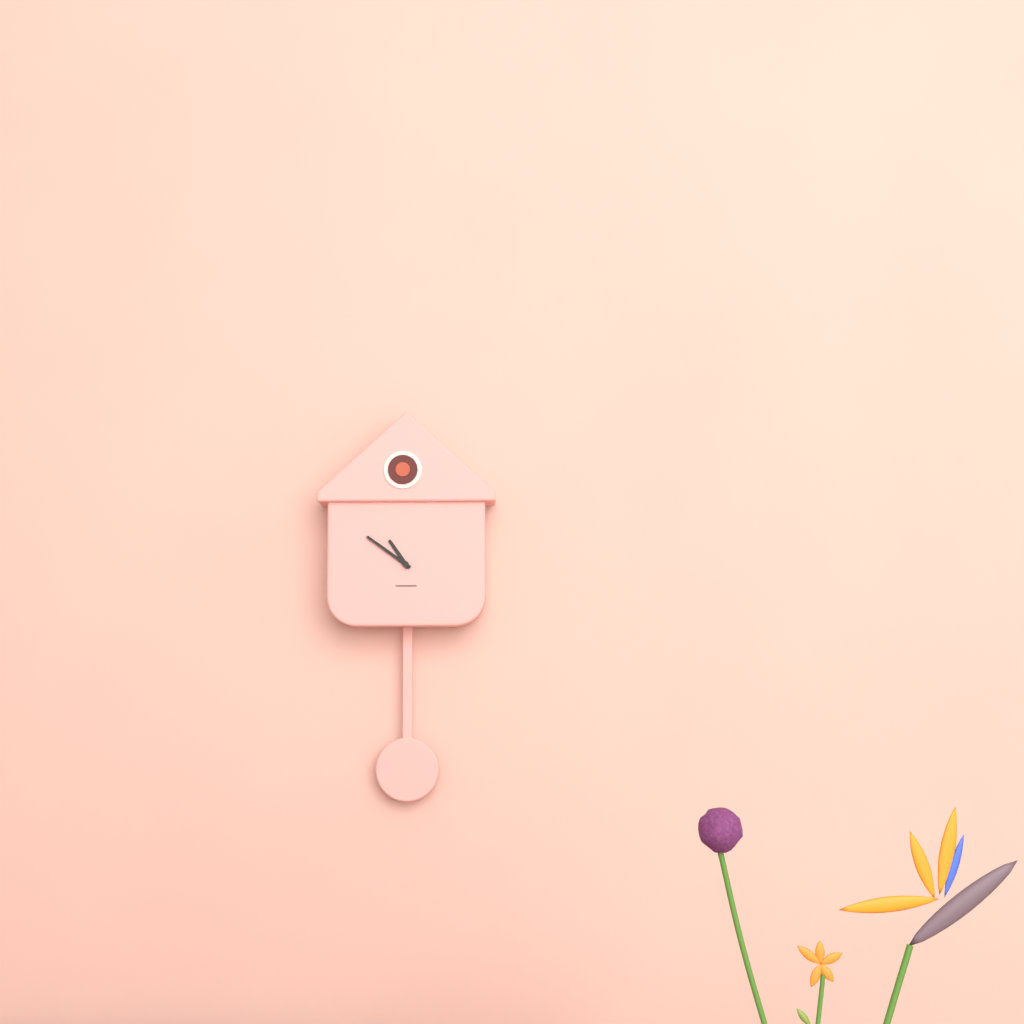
10 h 51 min
